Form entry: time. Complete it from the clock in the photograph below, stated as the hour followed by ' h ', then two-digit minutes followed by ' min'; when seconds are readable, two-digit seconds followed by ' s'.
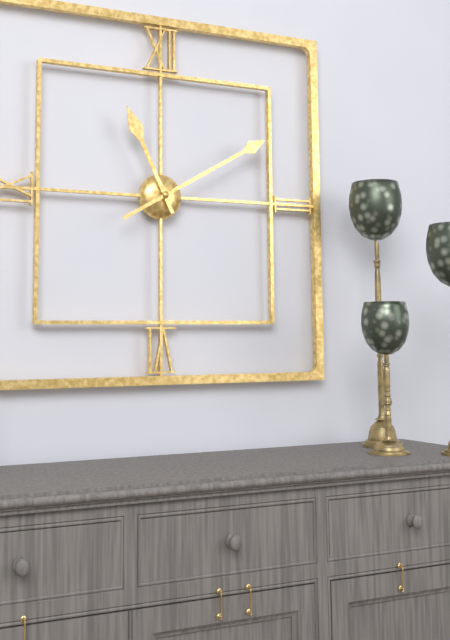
11 h 10 min
